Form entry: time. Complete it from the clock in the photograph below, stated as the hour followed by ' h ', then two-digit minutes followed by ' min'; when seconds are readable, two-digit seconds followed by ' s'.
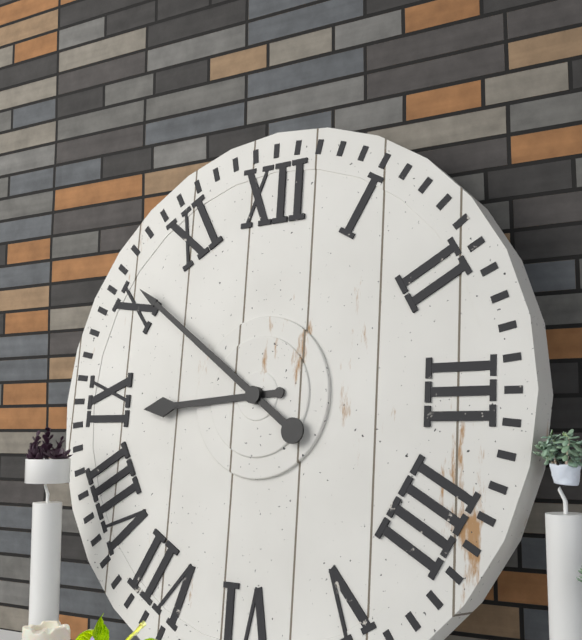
8 h 51 min
